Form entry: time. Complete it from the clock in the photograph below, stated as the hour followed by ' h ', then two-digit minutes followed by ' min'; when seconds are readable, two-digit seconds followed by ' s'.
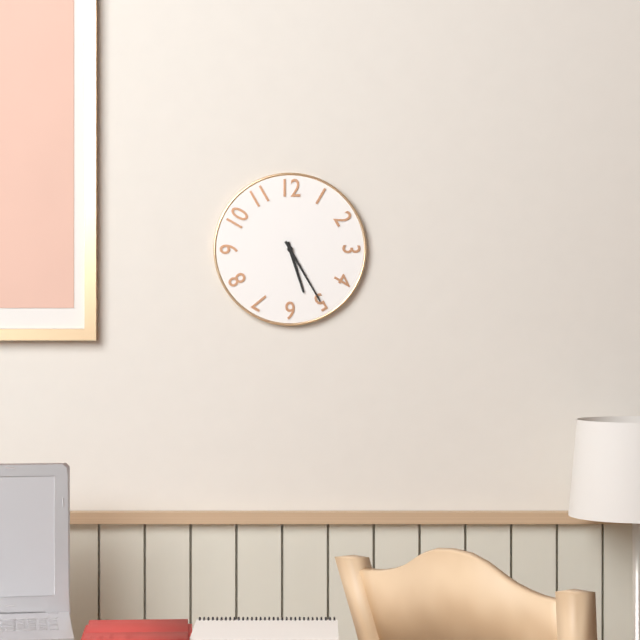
5 h 25 min
